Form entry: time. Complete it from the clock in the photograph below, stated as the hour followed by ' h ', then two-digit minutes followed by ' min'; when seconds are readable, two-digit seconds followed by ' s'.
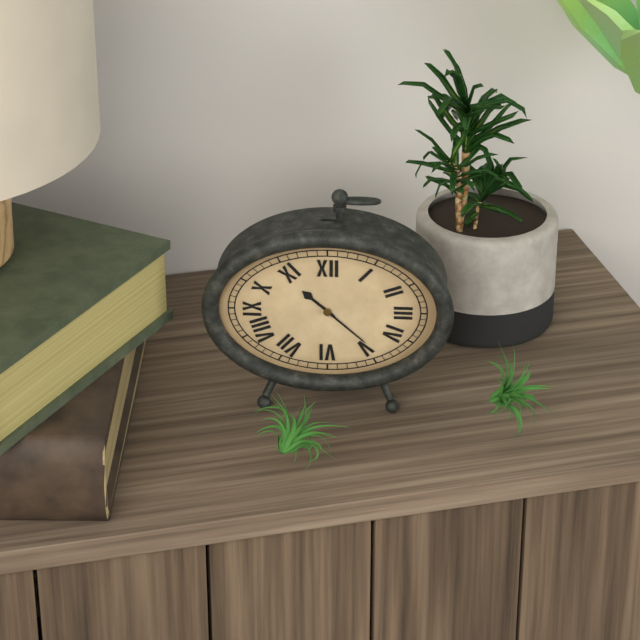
10 h 22 min
